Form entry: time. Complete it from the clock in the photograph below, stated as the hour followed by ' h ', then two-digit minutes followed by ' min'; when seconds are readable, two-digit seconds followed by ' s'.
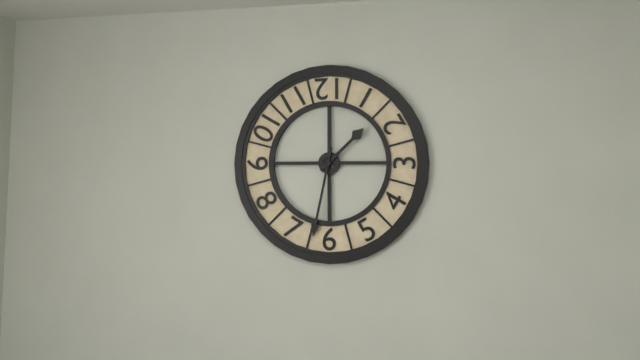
1 h 32 min
